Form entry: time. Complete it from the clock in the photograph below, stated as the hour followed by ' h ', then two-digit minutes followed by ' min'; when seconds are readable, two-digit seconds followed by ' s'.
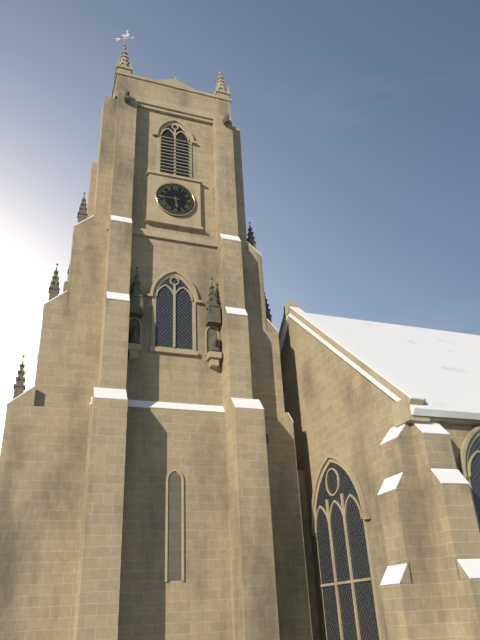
5 h 45 min
